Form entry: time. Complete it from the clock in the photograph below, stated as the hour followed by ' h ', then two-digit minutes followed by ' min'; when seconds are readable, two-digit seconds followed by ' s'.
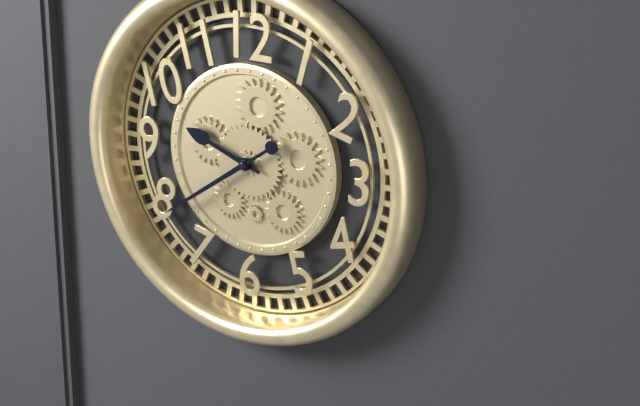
9 h 39 min
